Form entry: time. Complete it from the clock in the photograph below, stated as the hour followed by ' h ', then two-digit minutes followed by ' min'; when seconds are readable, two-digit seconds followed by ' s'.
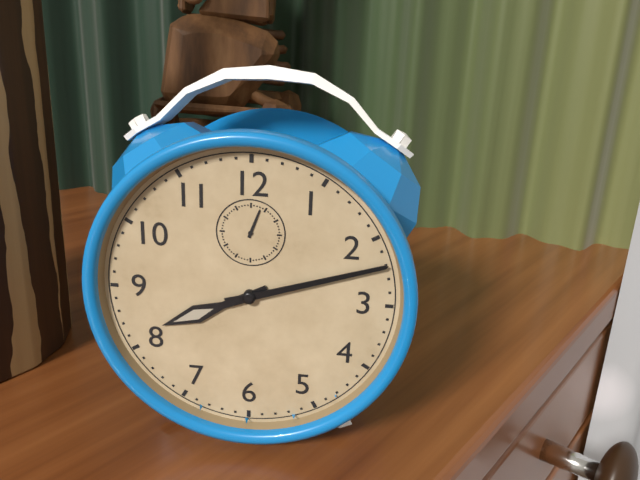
8 h 12 min
